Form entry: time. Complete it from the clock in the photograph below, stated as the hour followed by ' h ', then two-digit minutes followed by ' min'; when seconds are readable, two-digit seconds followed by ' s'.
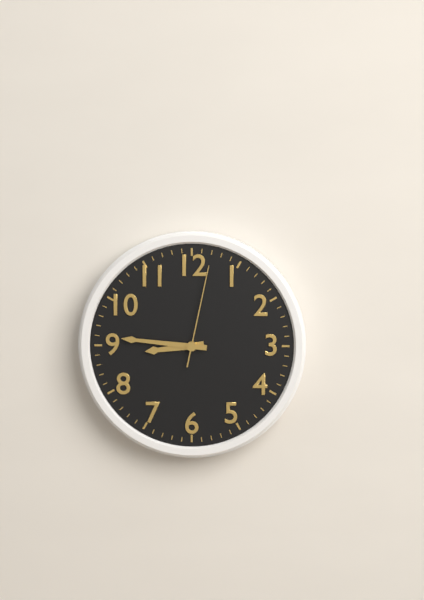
8 h 46 min 02 s
